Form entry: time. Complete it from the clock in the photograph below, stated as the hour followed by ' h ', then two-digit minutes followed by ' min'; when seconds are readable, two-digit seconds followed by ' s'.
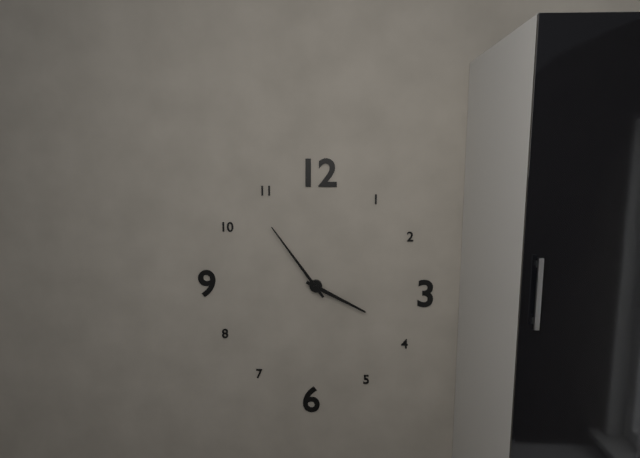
3 h 54 min
